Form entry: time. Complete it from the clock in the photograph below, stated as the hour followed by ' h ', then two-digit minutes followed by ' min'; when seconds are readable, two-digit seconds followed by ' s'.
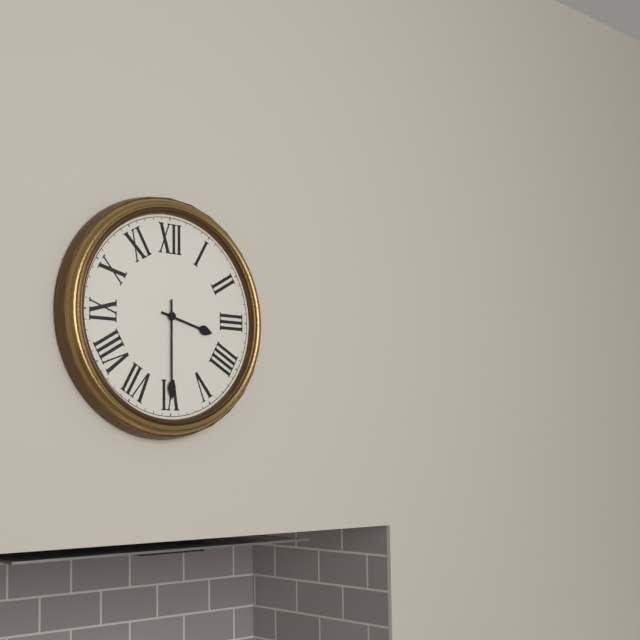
3 h 30 min
